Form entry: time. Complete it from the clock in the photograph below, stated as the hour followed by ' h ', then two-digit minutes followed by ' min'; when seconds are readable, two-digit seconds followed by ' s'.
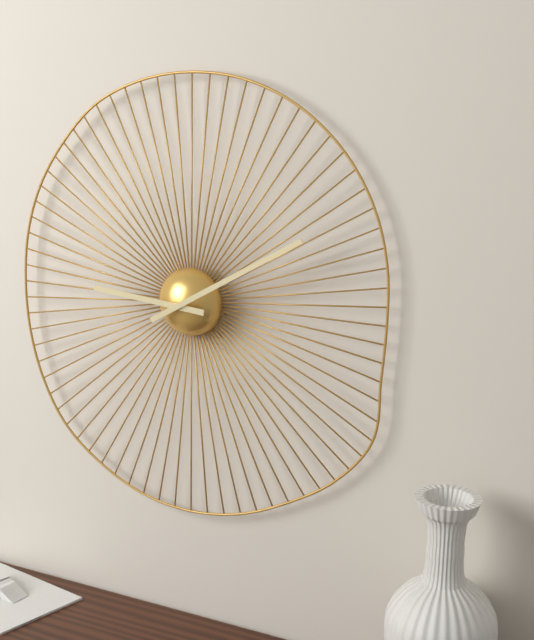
9 h 10 min
